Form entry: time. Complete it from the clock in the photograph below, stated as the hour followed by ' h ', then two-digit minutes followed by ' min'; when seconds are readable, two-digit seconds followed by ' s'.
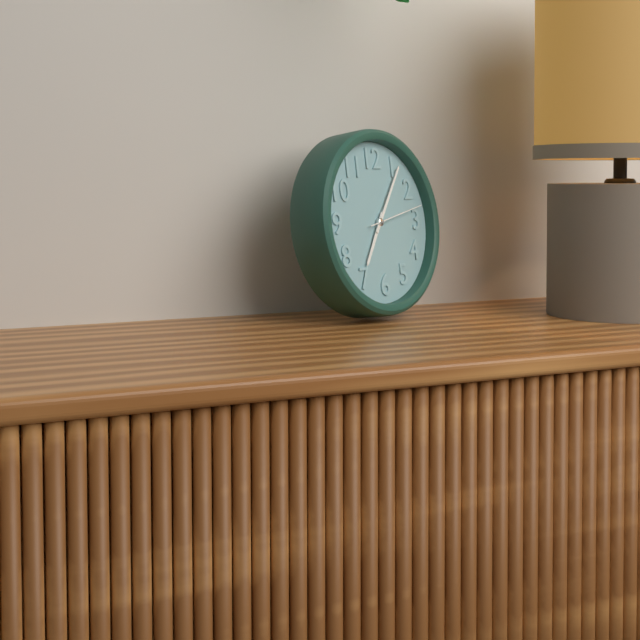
7 h 06 min 13 s
